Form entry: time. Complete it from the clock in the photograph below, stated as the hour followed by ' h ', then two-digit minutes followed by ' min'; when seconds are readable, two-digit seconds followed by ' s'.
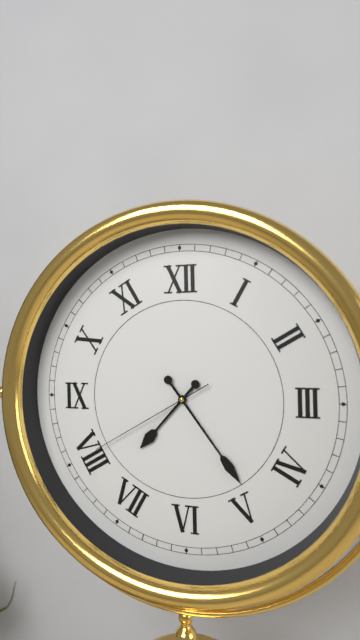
7 h 24 min 40 s
